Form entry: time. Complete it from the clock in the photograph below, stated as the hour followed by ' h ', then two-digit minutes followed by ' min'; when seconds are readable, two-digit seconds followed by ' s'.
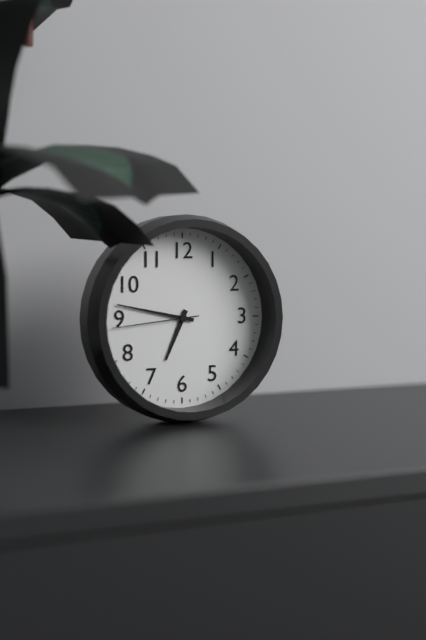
6 h 47 min 44 s
